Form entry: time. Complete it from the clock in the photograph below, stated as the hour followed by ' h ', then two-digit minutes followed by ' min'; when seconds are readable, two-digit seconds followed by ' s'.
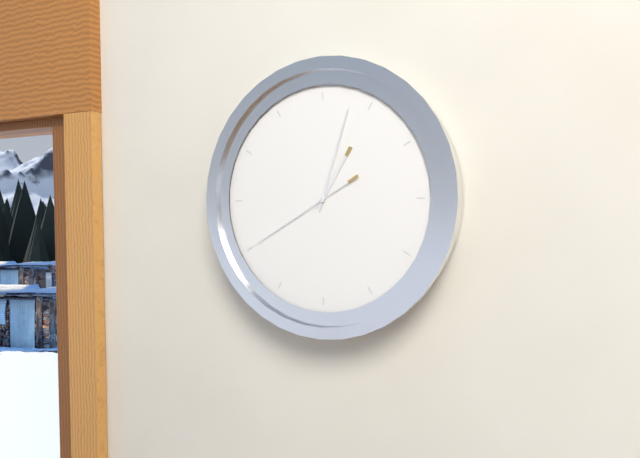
1 h 03 min 40 s
